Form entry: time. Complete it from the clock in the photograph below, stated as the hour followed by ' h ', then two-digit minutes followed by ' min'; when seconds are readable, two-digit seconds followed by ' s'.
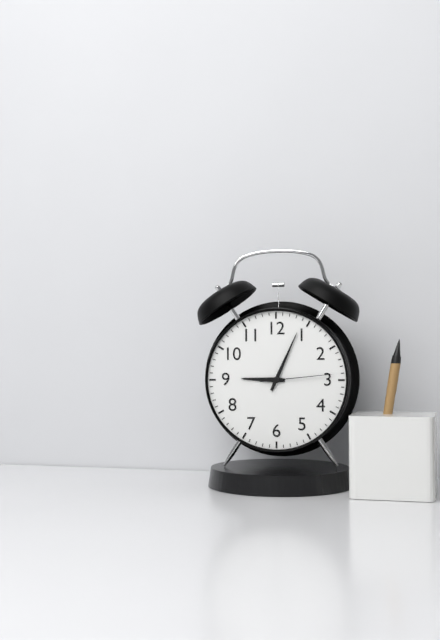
9 h 04 min 14 s
